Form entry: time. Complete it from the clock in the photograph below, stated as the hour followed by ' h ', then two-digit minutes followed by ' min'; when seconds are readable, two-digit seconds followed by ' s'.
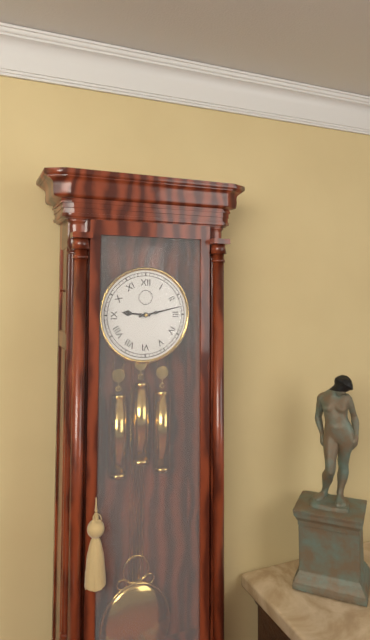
9 h 13 min
